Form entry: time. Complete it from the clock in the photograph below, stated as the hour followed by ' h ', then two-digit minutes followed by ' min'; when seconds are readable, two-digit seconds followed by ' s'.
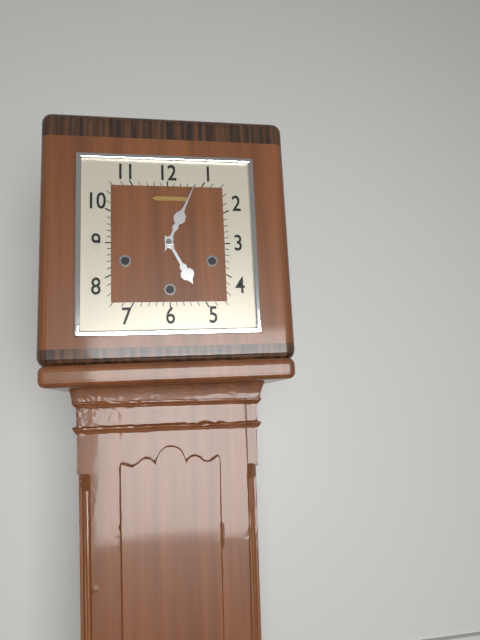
5 h 04 min
